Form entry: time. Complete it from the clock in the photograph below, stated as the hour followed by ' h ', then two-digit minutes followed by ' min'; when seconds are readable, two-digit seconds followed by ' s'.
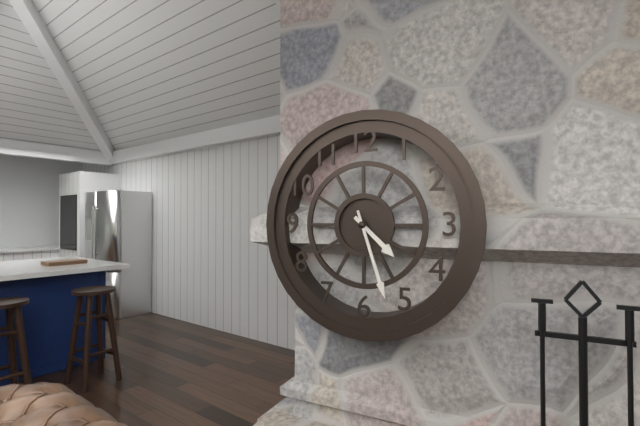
4 h 27 min
